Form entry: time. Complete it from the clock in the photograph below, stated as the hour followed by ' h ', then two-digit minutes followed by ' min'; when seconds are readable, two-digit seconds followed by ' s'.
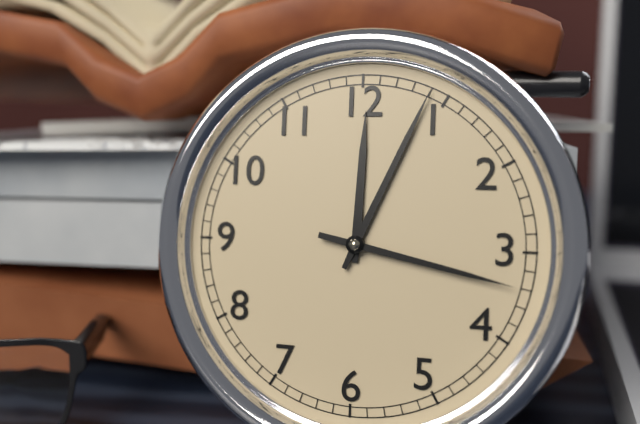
12 h 04 min 17 s
